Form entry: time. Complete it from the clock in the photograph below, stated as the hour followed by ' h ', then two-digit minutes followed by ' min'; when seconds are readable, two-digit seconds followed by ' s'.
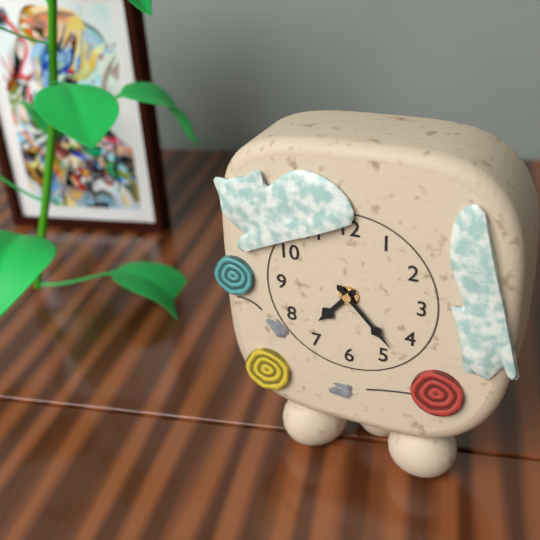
7 h 23 min
